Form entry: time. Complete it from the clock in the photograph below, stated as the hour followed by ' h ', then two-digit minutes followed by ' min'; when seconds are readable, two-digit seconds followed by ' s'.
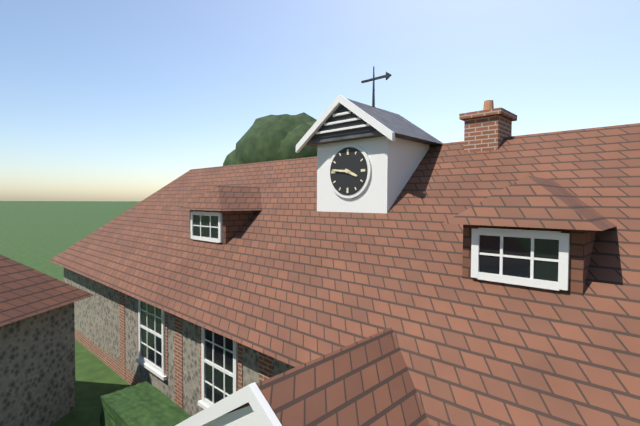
3 h 46 min
